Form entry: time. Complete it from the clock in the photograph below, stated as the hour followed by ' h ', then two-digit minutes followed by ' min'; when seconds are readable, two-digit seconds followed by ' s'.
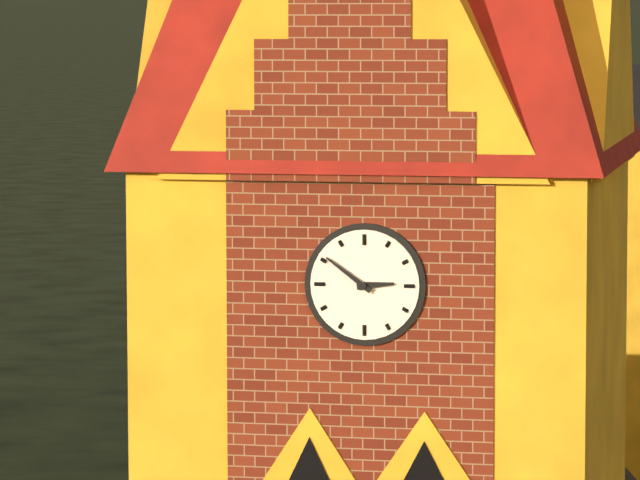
2 h 51 min
